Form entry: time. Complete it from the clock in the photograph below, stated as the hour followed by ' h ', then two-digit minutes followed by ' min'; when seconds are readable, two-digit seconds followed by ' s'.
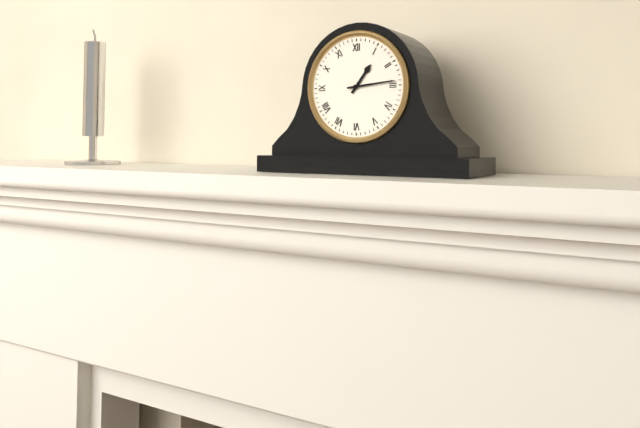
1 h 14 min
